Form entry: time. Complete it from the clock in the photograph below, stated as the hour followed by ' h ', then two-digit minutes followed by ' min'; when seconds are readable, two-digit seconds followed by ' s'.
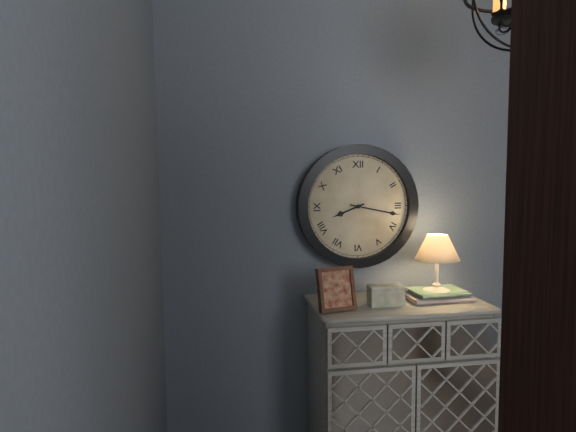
8 h 17 min
